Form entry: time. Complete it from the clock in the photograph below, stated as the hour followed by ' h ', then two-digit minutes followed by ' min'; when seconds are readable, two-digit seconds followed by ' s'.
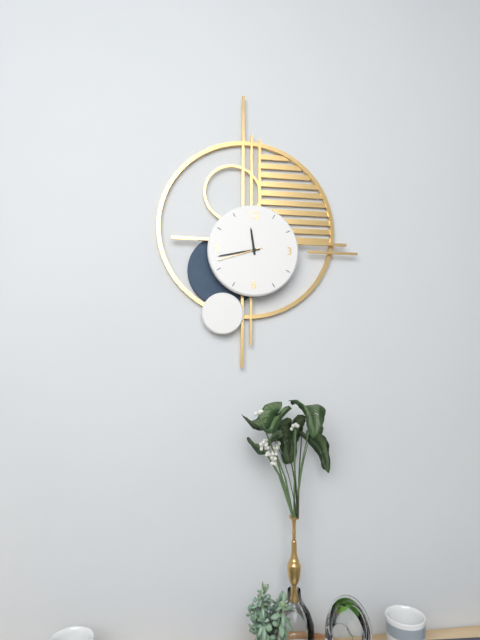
11 h 43 min
